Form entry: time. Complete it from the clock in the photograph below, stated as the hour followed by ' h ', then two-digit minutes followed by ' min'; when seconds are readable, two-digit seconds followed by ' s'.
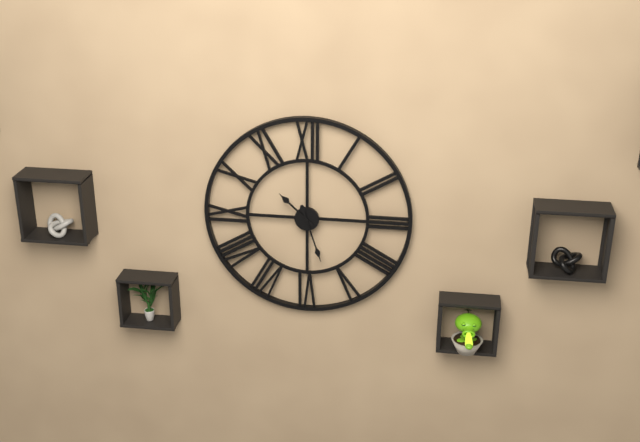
10 h 27 min
